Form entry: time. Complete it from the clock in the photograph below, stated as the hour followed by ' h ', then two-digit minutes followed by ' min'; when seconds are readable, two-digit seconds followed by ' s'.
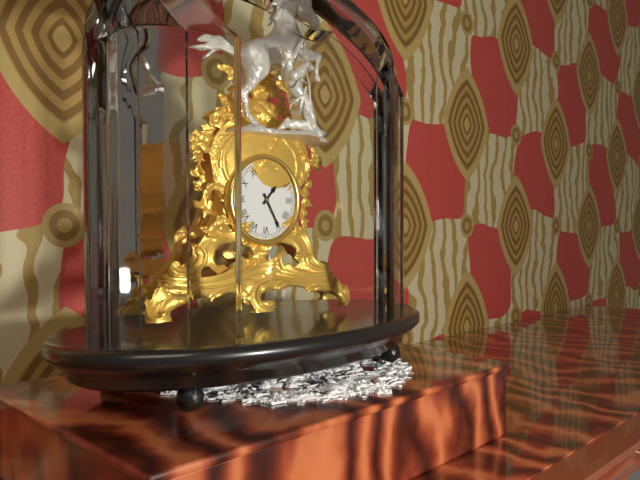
1 h 25 min
